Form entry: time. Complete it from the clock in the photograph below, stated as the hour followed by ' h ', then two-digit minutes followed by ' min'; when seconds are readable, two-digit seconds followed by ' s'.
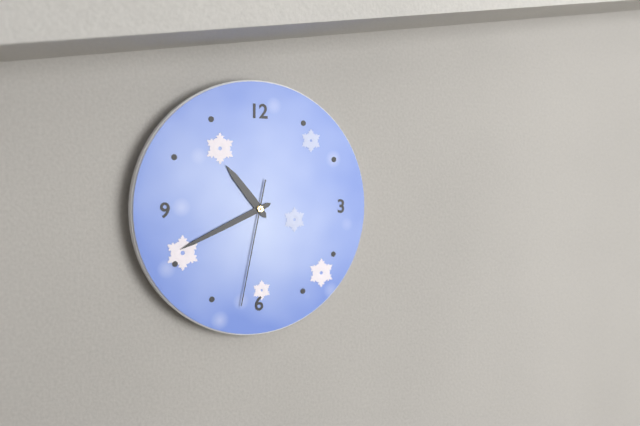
10 h 41 min 32 s
